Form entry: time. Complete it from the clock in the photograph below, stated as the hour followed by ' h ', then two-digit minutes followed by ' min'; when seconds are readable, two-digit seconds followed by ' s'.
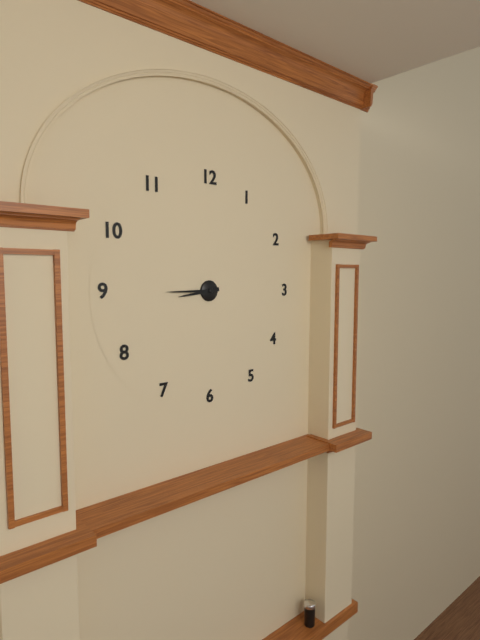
8 h 45 min
